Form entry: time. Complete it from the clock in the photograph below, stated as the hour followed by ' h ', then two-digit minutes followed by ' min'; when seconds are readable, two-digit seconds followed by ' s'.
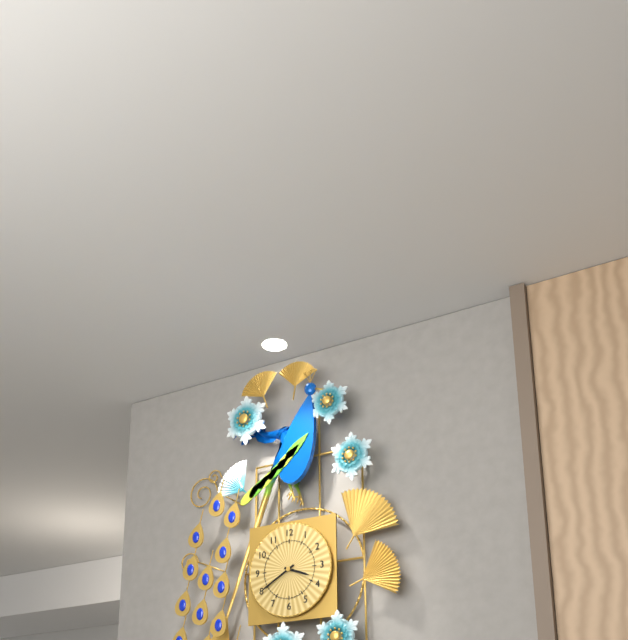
3 h 40 min
